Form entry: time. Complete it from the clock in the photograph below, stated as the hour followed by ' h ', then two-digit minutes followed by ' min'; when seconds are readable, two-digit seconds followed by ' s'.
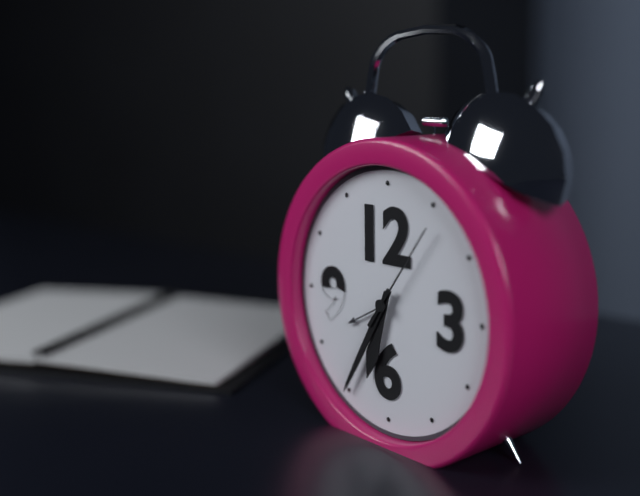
6 h 35 min 06 s
